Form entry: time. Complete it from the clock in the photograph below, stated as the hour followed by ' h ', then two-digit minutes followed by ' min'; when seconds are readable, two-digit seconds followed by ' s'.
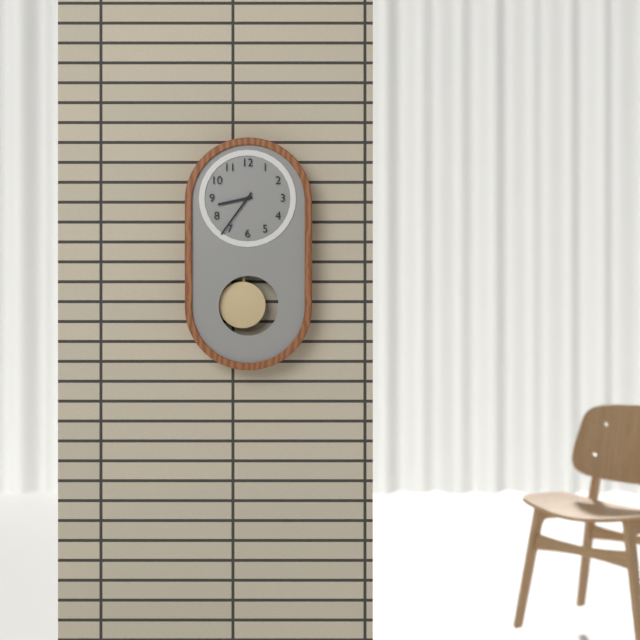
8 h 36 min
